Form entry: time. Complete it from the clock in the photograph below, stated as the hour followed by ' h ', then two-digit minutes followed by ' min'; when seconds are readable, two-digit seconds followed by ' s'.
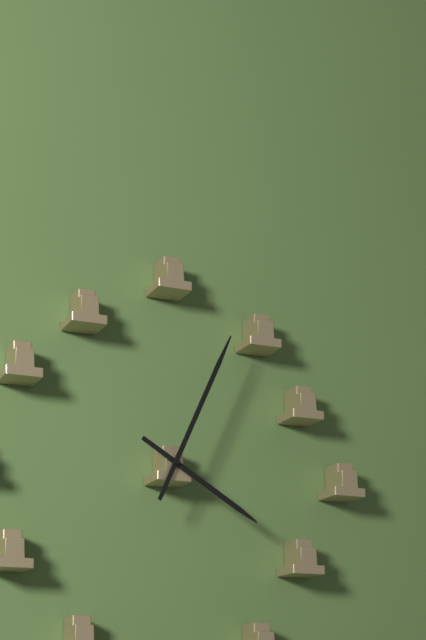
4 h 04 min
